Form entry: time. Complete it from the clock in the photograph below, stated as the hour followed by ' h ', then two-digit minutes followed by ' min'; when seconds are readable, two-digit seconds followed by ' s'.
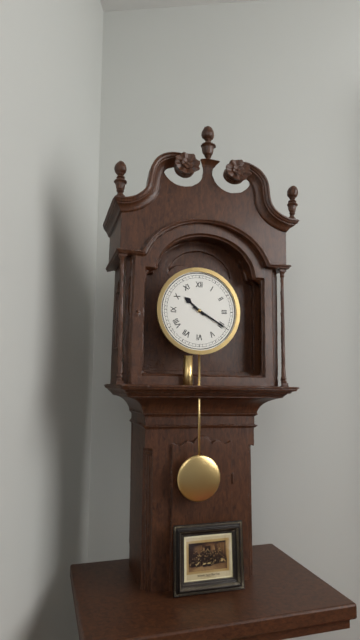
10 h 20 min
